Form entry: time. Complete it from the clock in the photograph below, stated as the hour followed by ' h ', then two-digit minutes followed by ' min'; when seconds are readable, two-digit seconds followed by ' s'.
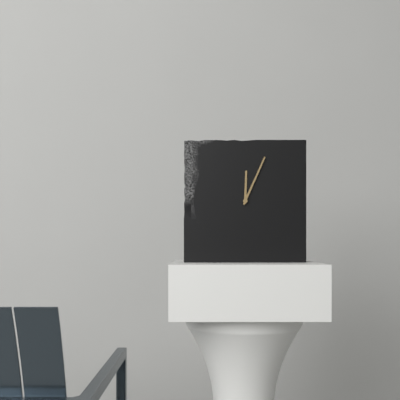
12 h 04 min
